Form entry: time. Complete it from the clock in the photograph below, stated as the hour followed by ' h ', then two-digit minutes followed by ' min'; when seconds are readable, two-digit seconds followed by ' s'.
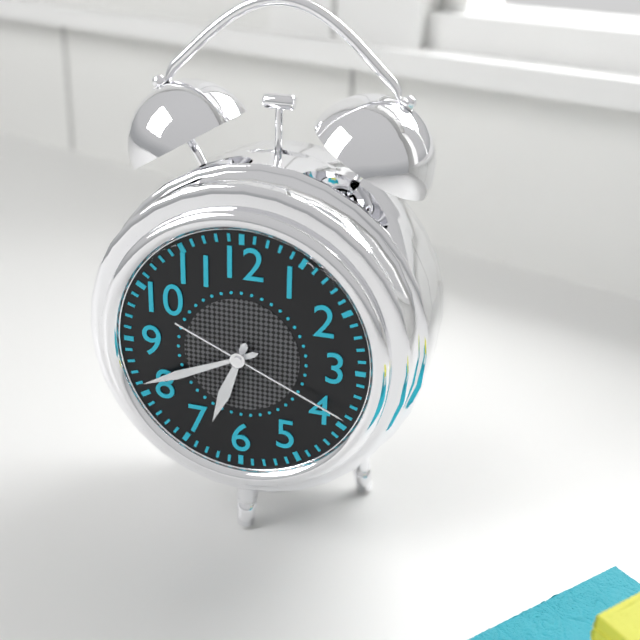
6 h 41 min 19 s
